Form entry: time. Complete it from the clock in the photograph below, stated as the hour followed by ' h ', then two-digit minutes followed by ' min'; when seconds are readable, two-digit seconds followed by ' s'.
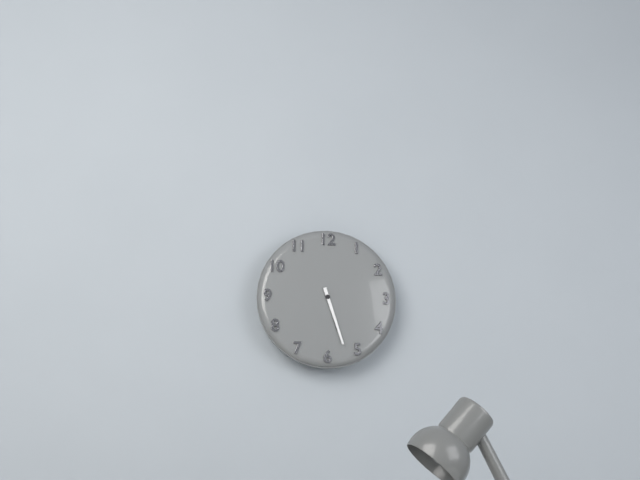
5 h 27 min
